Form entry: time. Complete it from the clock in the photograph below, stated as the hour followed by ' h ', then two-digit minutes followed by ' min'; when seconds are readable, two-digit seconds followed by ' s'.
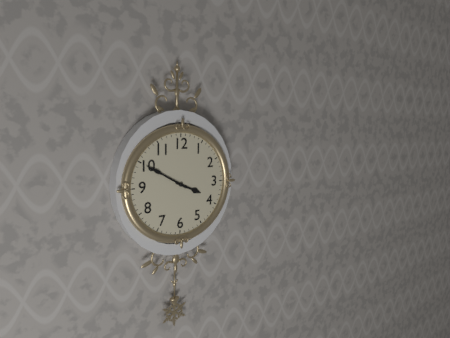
3 h 50 min
